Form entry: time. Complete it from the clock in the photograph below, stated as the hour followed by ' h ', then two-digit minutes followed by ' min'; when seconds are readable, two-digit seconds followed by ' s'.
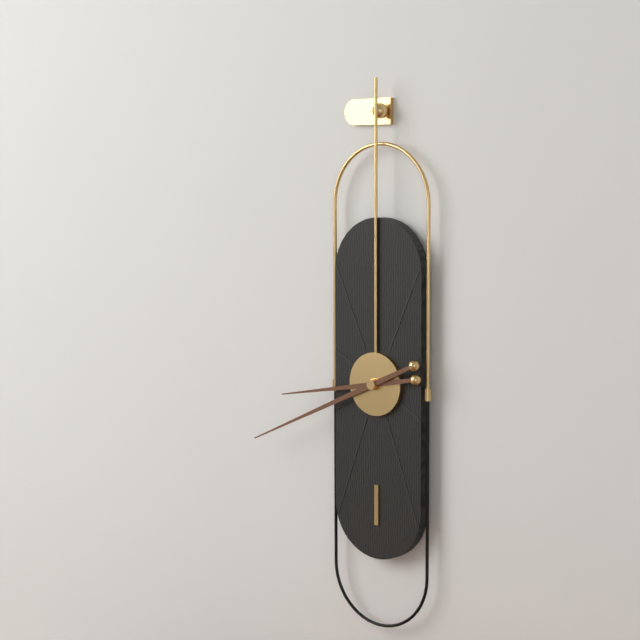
8 h 41 min
